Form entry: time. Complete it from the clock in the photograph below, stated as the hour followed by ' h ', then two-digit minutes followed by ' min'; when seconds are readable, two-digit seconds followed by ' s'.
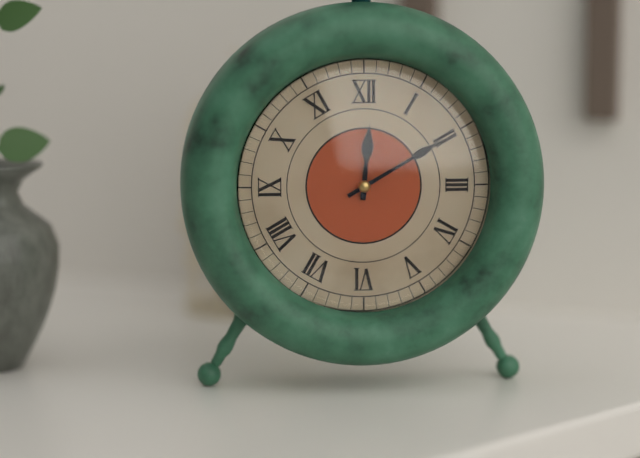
12 h 10 min
